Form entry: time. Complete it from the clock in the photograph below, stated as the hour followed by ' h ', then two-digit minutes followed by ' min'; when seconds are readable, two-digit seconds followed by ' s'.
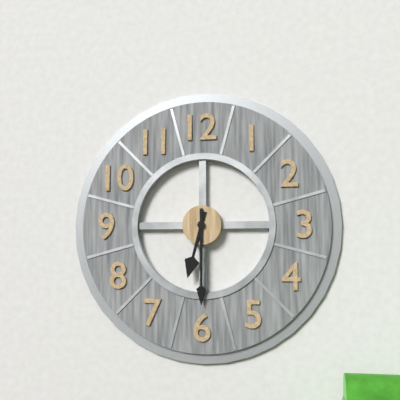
6 h 30 min
